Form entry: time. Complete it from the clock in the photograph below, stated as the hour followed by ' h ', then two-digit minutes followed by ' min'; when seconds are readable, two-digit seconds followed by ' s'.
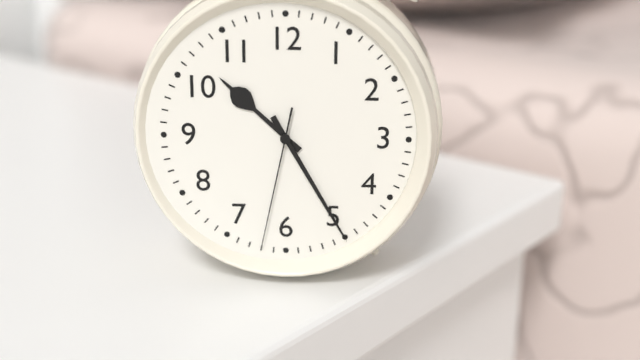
10 h 25 min 32 s
